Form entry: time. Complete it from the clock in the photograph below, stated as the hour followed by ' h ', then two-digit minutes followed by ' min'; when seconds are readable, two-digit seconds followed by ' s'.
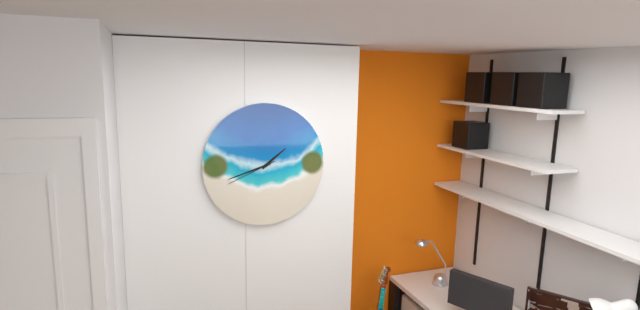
1 h 42 min 41 s
